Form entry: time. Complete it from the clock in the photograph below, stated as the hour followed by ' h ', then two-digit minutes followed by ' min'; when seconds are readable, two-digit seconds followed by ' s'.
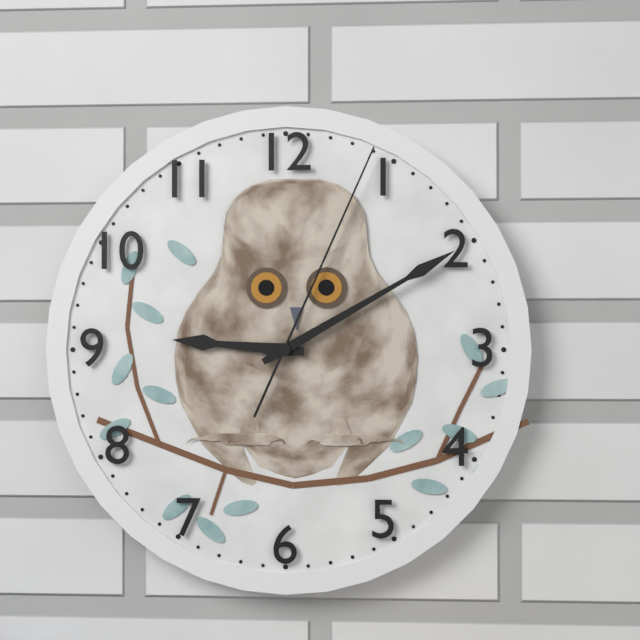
9 h 10 min 04 s
